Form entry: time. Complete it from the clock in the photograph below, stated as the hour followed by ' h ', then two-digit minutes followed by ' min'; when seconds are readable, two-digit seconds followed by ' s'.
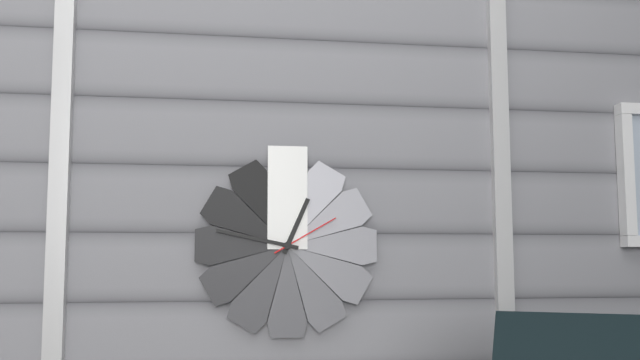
12 h 47 min 10 s
